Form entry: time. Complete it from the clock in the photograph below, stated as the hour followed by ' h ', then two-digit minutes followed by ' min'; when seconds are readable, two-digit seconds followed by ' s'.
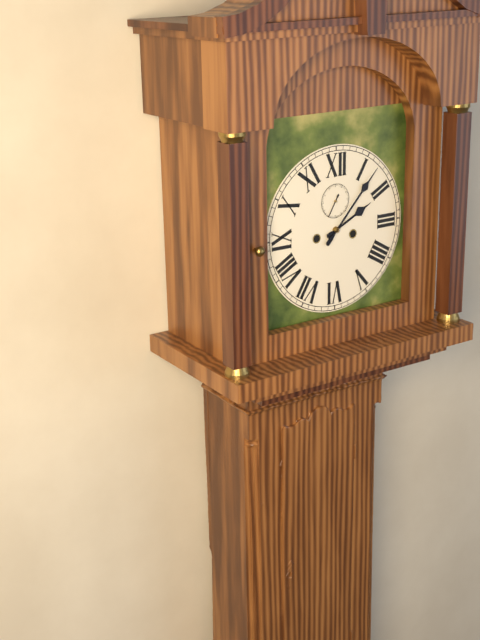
2 h 07 min
